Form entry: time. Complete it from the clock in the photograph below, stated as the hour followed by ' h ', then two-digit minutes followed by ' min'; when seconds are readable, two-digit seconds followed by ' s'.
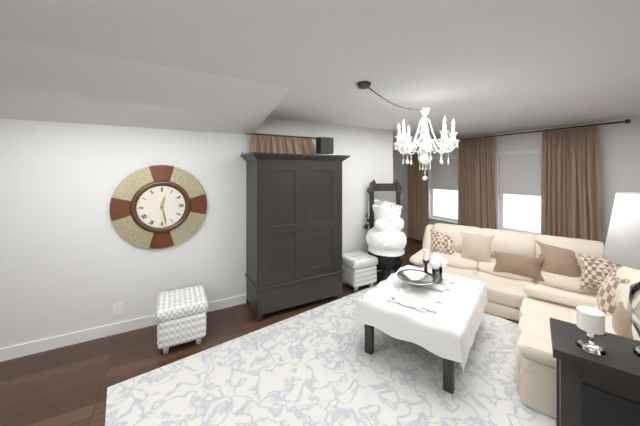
12 h 28 min
